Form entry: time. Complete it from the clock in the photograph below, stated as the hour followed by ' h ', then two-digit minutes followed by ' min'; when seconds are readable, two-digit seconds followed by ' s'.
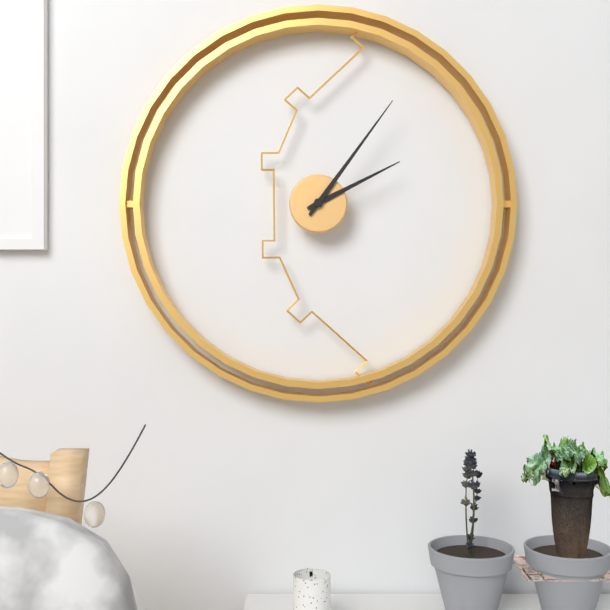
2 h 06 min
